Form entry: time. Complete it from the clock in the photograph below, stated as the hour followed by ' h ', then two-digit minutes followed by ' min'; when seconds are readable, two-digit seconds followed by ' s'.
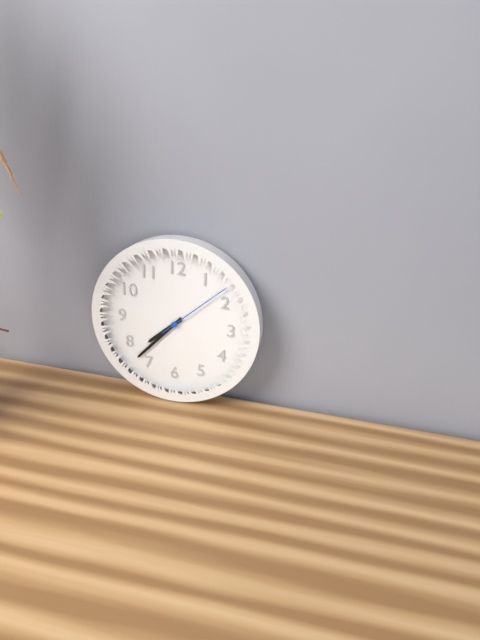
7 h 37 min 08 s
